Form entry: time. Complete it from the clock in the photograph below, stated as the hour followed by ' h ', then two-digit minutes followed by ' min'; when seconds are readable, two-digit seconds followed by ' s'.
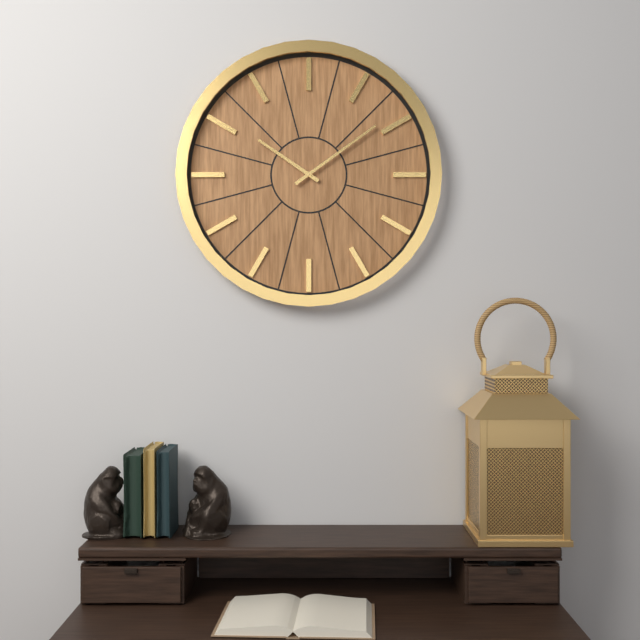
10 h 09 min
